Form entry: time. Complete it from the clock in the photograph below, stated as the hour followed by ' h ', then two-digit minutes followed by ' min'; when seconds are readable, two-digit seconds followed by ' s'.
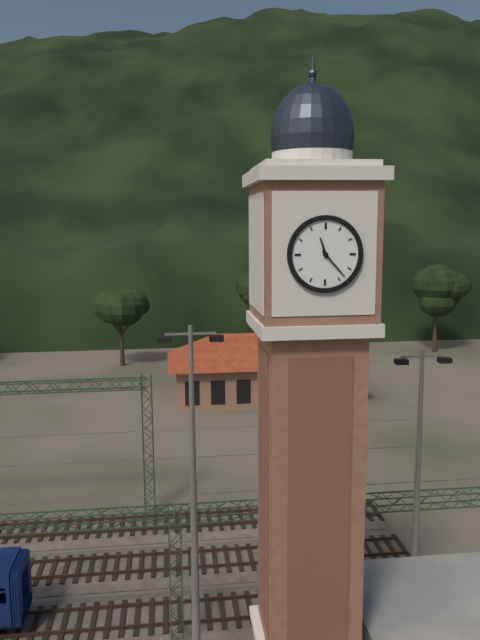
11 h 23 min
